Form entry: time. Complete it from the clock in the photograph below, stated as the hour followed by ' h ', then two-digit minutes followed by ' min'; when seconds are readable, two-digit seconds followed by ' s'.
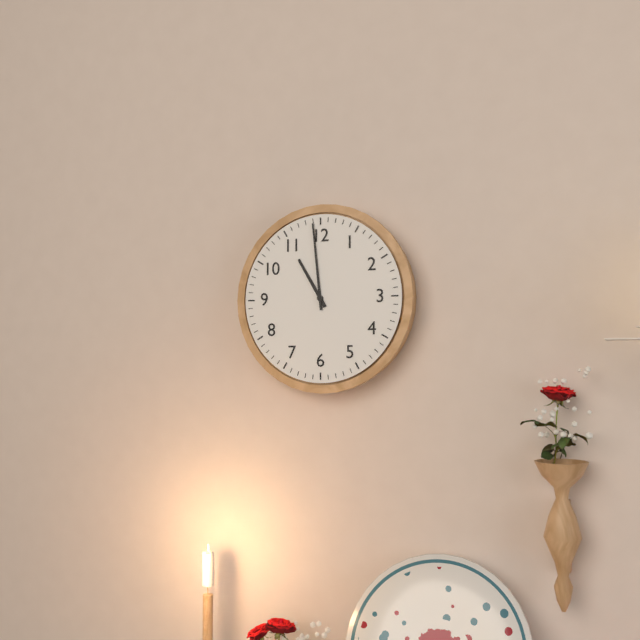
10 h 59 min
